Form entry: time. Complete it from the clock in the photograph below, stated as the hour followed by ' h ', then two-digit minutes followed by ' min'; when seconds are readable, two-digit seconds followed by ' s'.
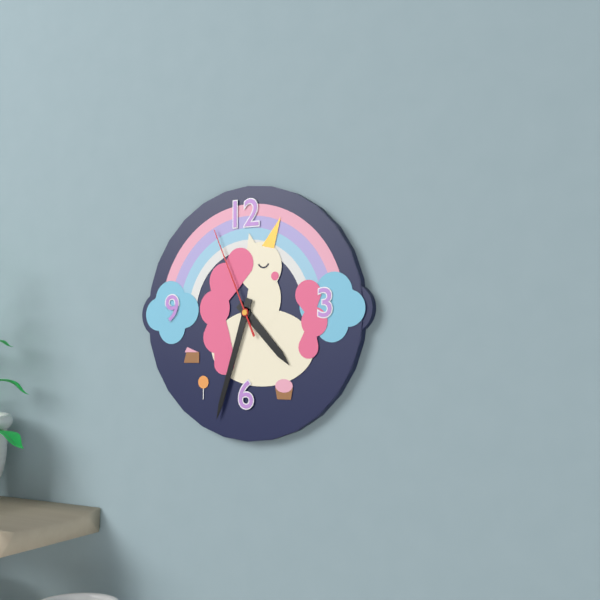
4 h 33 min 56 s
